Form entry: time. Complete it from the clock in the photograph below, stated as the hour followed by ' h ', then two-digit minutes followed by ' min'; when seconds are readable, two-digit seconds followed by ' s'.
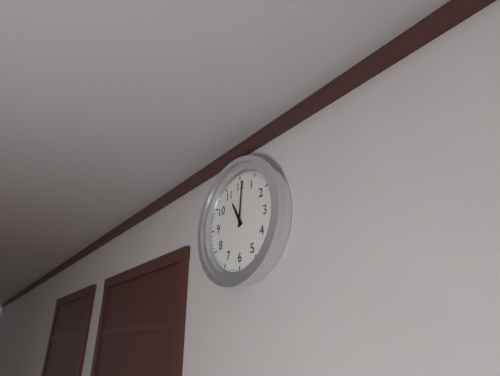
11 h 01 min
